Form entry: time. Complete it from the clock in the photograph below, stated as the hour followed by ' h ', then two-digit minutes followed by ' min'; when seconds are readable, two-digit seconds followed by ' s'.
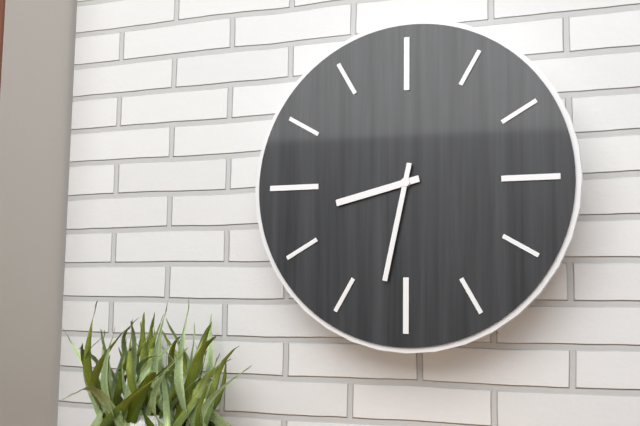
8 h 32 min
